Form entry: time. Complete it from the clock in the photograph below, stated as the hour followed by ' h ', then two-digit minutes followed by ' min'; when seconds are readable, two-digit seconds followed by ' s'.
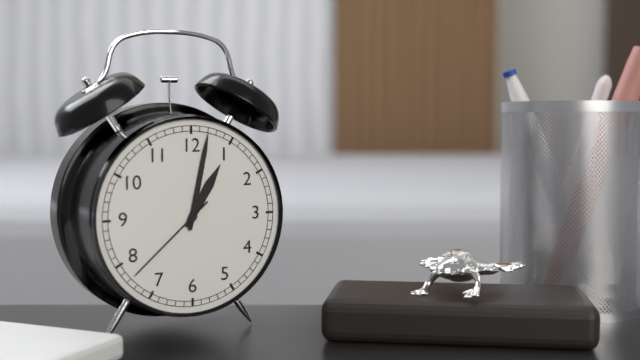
1 h 02 min 38 s
